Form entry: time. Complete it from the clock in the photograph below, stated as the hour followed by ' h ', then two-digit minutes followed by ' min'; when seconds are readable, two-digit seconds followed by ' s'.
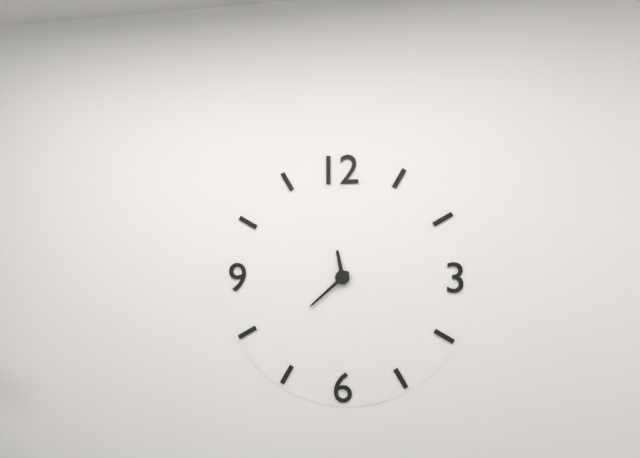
11 h 38 min
